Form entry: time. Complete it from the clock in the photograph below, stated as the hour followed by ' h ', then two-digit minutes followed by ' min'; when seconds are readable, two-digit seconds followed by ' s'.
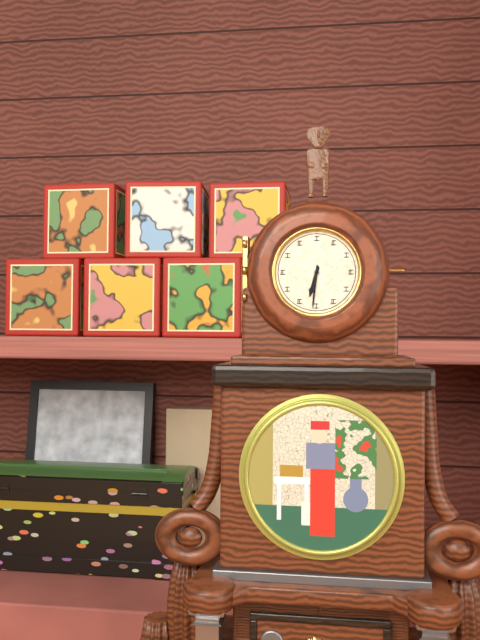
6 h 31 min
